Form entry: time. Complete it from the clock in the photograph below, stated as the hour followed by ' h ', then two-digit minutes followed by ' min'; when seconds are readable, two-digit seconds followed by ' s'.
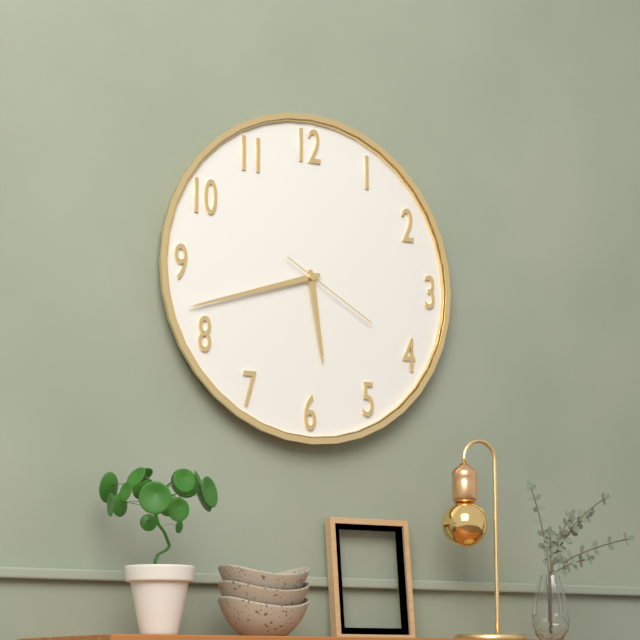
5 h 42 min 20 s
